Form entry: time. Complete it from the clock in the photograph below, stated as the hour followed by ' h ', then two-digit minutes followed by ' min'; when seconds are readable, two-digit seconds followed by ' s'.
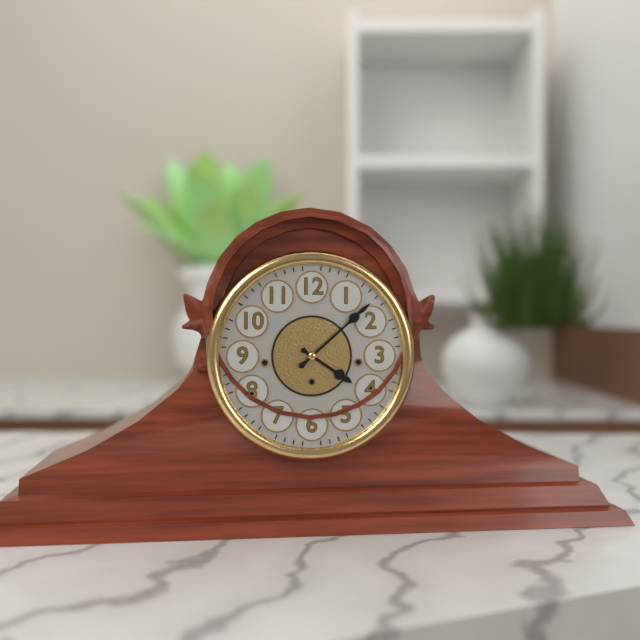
4 h 08 min
